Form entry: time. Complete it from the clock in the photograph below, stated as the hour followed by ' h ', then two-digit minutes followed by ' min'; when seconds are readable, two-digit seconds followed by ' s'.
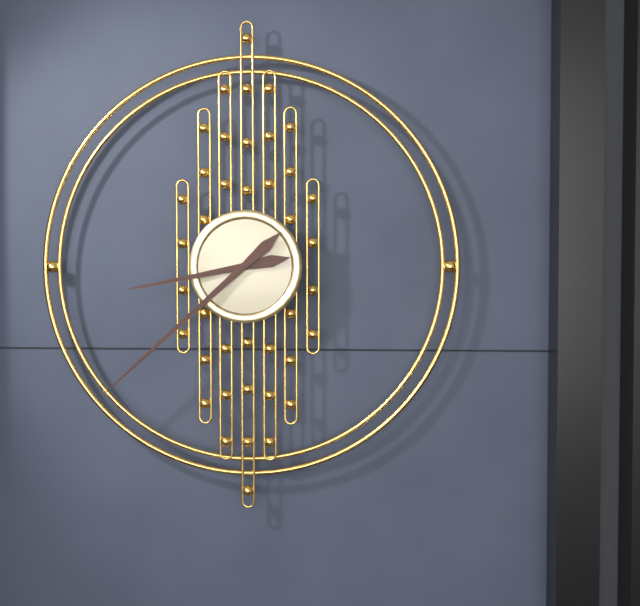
8 h 38 min
